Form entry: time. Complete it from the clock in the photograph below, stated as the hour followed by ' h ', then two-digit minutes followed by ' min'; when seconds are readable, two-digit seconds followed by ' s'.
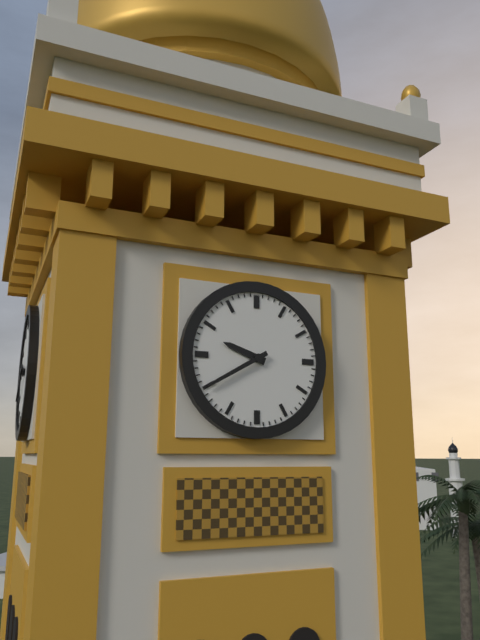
9 h 40 min
